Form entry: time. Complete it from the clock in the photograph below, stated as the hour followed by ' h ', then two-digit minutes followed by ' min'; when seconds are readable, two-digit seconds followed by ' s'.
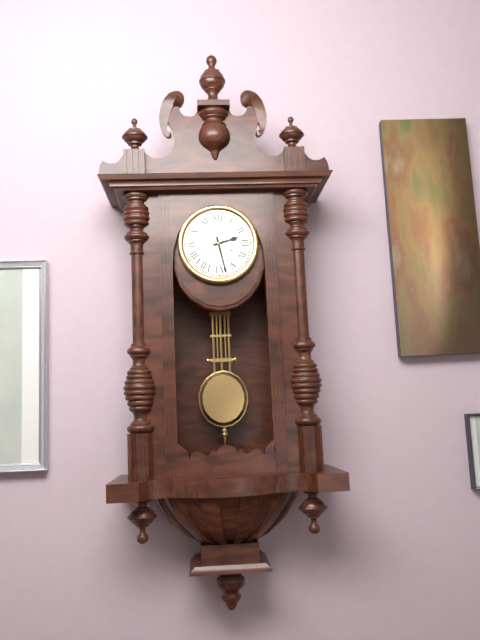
2 h 28 min
